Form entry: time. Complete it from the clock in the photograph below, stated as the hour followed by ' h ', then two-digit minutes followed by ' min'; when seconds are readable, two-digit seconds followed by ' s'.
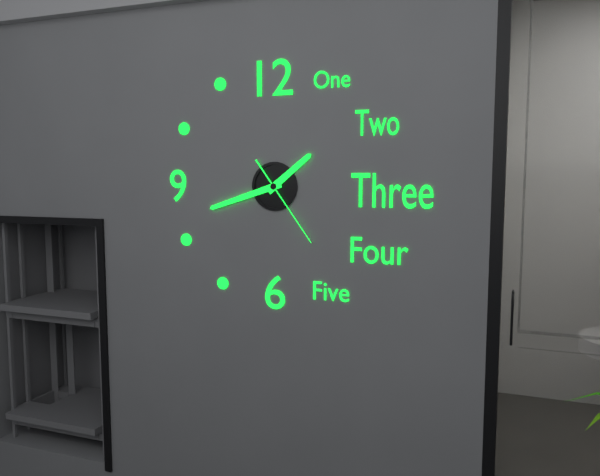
1 h 42 min 24 s
